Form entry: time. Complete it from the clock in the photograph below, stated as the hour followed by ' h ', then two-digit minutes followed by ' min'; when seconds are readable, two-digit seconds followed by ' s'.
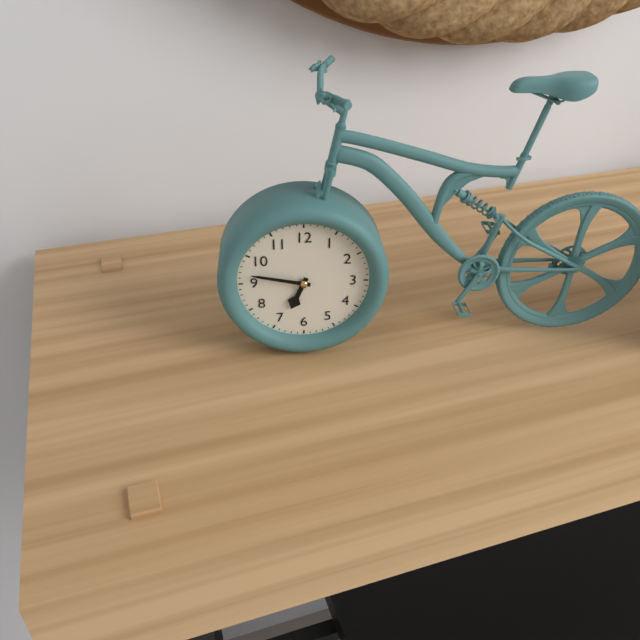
6 h 47 min
